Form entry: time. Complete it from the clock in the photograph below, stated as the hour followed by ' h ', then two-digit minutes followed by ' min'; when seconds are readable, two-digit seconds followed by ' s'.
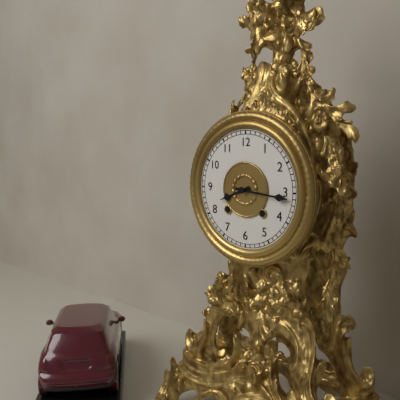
8 h 16 min
